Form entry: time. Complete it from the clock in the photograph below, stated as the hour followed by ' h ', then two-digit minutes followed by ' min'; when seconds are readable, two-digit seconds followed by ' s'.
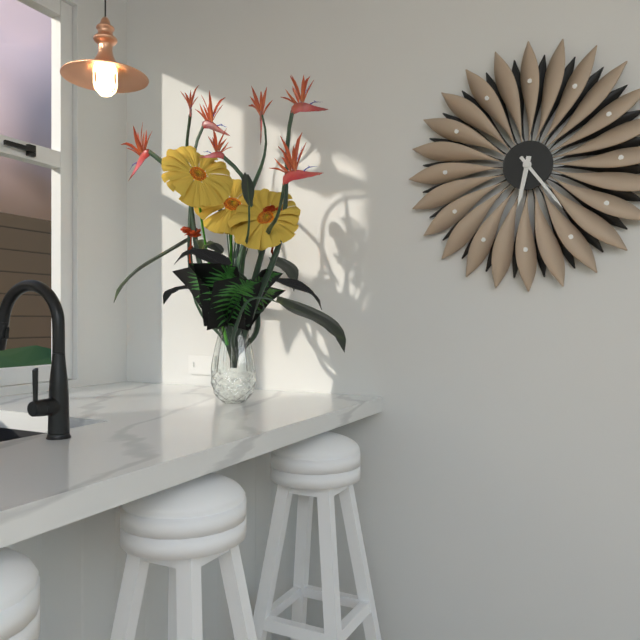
6 h 24 min
